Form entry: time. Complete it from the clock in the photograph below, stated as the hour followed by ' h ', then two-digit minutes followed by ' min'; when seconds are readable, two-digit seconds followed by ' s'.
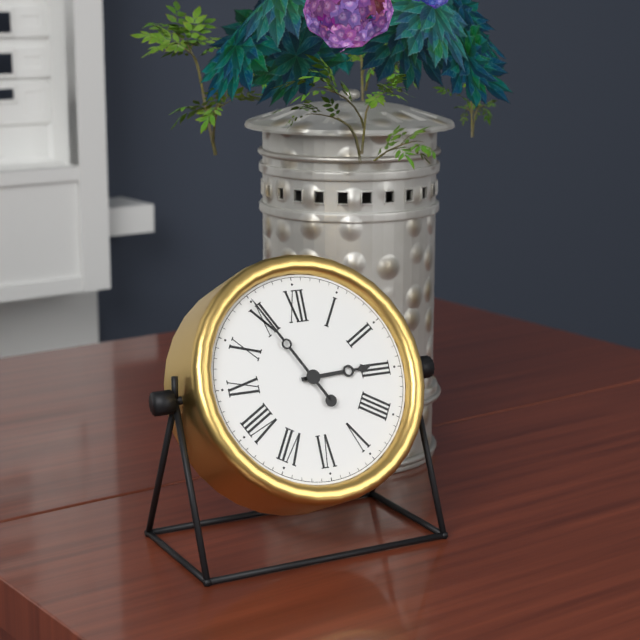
2 h 55 min
